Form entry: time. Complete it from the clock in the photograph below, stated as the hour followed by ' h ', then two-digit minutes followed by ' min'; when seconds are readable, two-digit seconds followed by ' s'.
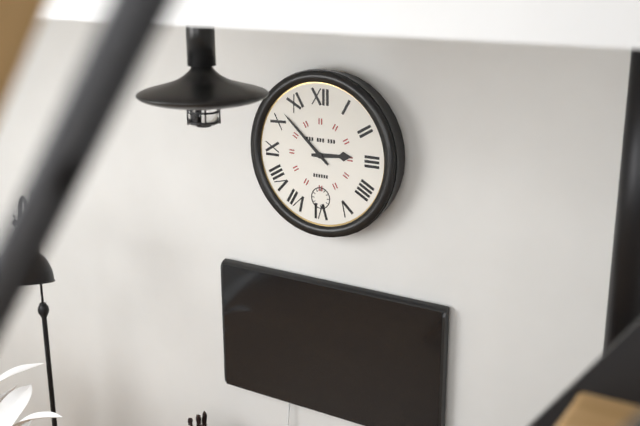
2 h 52 min
